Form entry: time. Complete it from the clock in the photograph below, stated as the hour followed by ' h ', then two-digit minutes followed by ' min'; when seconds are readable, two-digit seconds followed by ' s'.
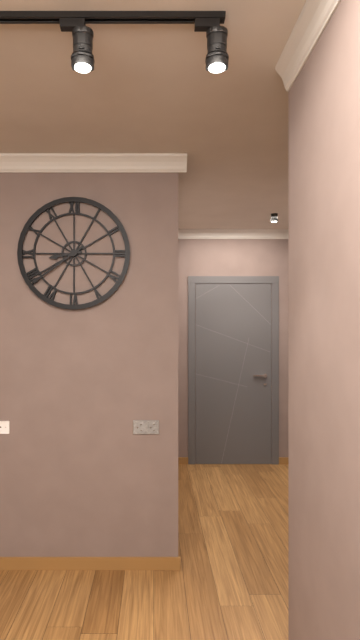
8 h 39 min
